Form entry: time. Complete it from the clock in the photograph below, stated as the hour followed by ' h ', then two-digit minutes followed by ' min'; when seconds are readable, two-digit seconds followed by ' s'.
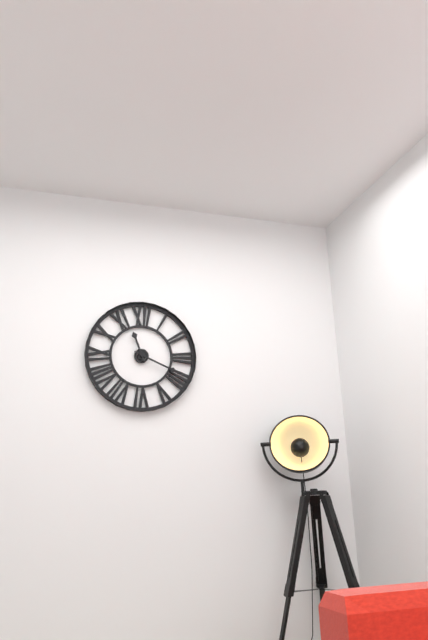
11 h 19 min
